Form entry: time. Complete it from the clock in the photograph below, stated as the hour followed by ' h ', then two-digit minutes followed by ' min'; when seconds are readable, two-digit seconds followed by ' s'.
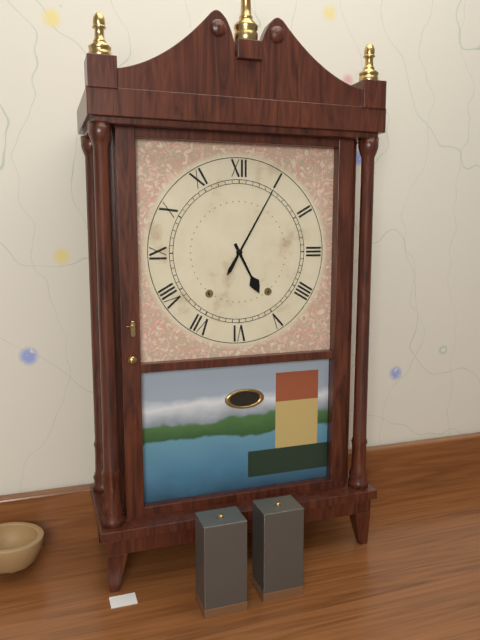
5 h 05 min
